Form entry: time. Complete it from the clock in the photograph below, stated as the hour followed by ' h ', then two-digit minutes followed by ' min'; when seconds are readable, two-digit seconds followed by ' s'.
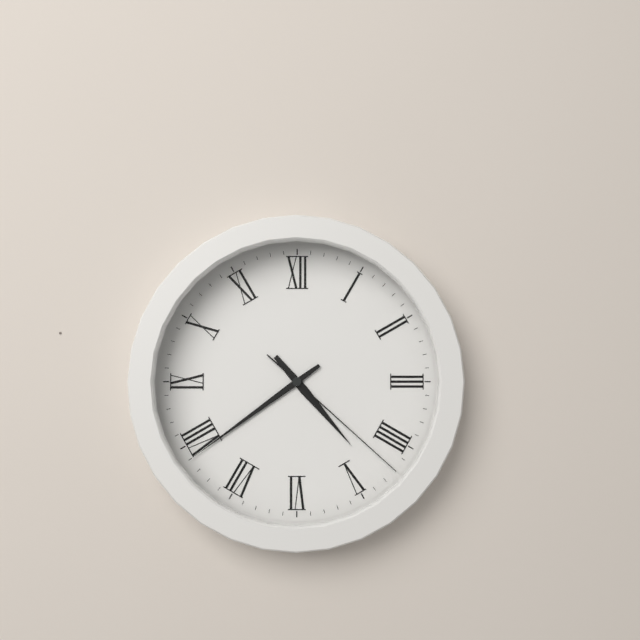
4 h 39 min 22 s
